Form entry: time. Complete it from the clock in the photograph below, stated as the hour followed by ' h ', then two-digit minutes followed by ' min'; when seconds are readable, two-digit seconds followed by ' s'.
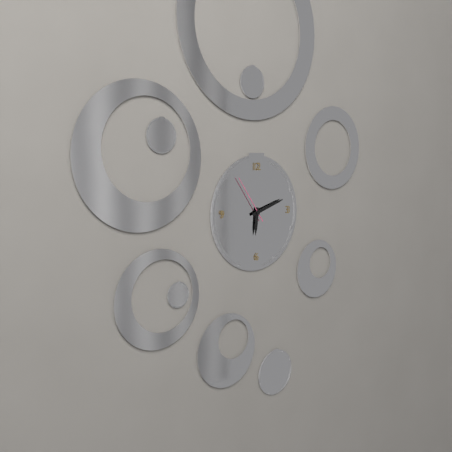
6 h 12 min
